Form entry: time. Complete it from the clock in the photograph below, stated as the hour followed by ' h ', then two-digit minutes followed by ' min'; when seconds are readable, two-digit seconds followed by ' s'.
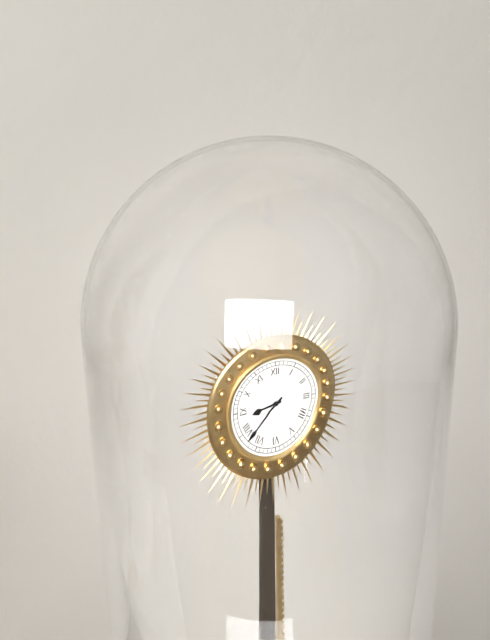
8 h 38 min
